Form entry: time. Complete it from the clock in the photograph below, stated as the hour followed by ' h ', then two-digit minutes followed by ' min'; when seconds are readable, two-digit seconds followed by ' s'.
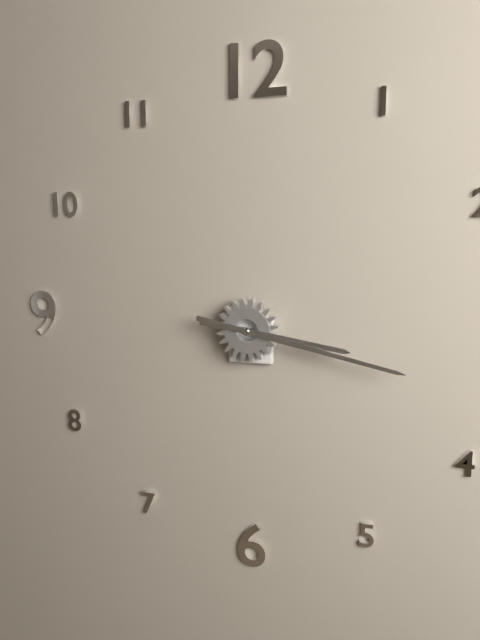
3 h 17 min
